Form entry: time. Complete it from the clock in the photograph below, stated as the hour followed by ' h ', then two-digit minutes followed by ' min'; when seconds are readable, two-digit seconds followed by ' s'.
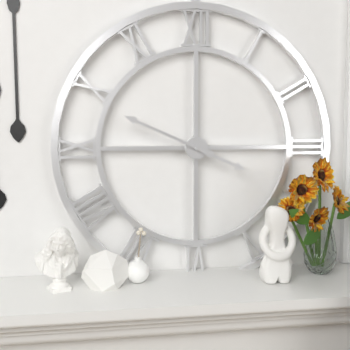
3 h 49 min
